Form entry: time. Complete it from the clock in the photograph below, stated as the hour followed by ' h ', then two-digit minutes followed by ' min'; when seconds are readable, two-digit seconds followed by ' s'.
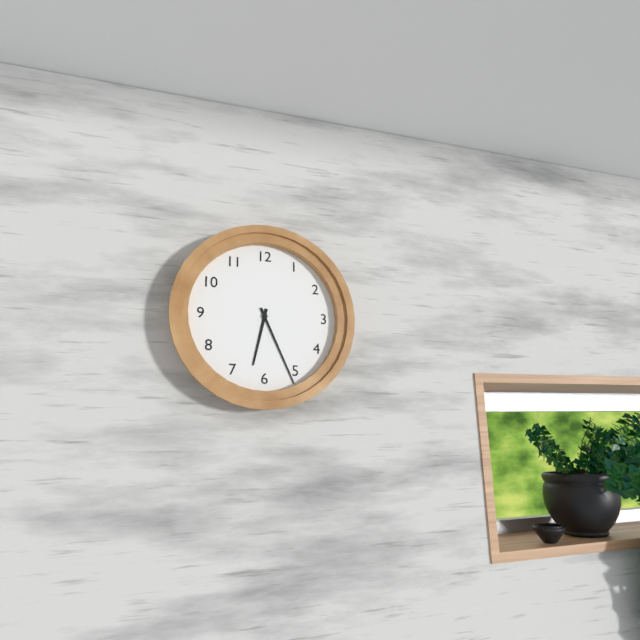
6 h 26 min
